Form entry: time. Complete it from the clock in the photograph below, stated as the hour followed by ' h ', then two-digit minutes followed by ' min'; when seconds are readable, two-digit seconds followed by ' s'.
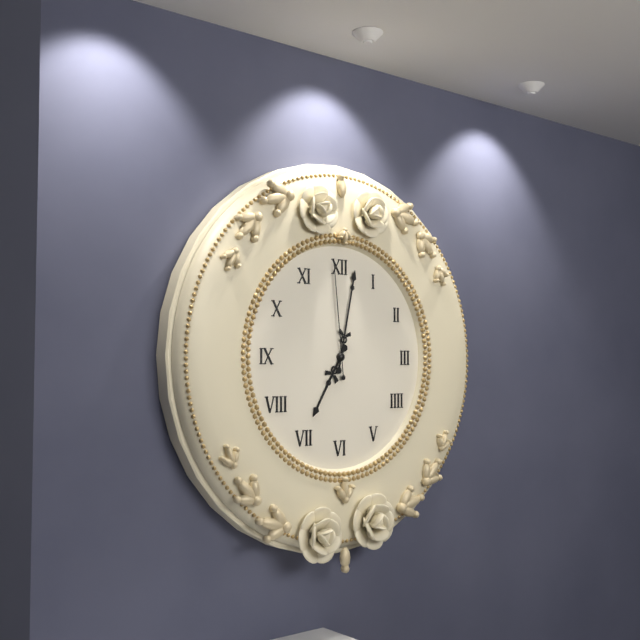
7 h 02 min 59 s
